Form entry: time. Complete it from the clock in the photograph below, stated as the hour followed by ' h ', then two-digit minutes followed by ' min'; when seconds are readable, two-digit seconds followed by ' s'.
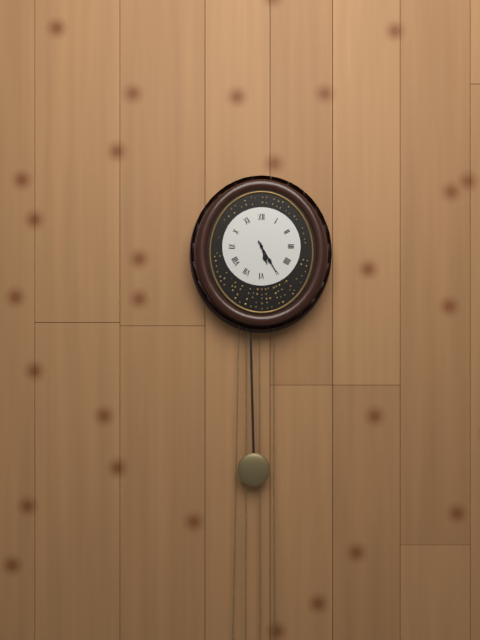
5 h 25 min
